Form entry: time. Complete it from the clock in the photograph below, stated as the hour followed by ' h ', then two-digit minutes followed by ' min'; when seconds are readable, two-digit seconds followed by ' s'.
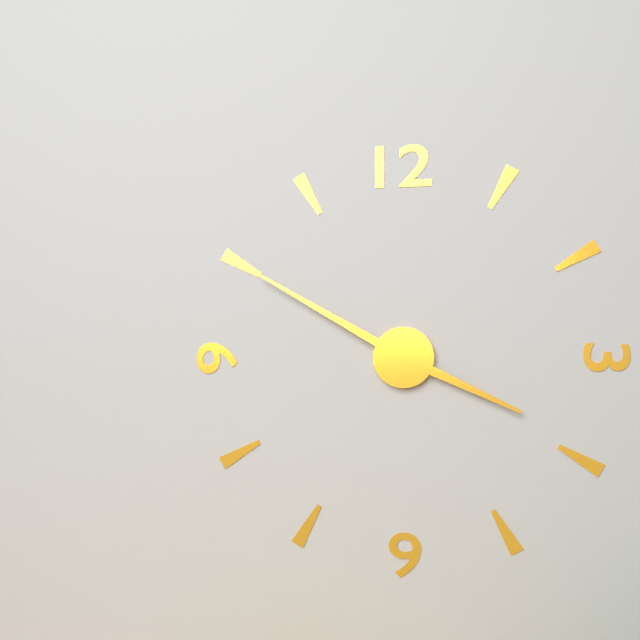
3 h 50 min
